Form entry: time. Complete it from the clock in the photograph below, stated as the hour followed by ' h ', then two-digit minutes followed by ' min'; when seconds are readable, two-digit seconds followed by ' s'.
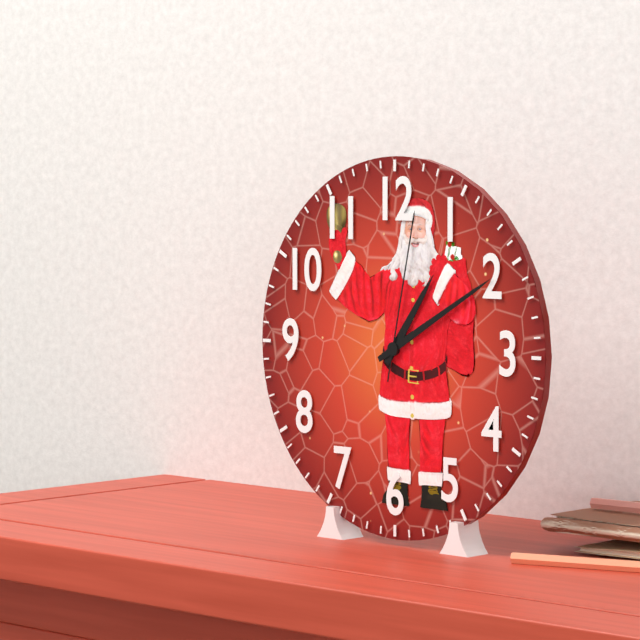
1 h 10 min 02 s
